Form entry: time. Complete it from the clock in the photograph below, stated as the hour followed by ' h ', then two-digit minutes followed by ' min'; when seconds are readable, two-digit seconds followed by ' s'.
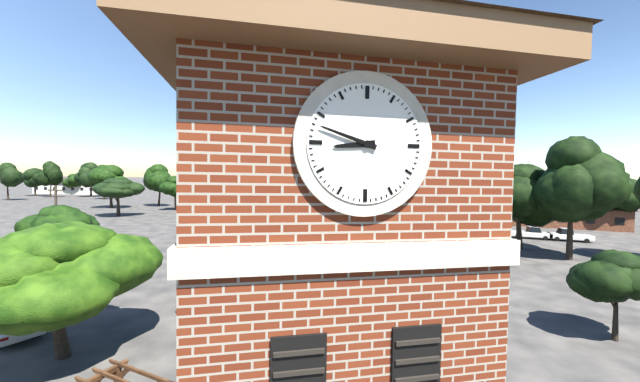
8 h 48 min
